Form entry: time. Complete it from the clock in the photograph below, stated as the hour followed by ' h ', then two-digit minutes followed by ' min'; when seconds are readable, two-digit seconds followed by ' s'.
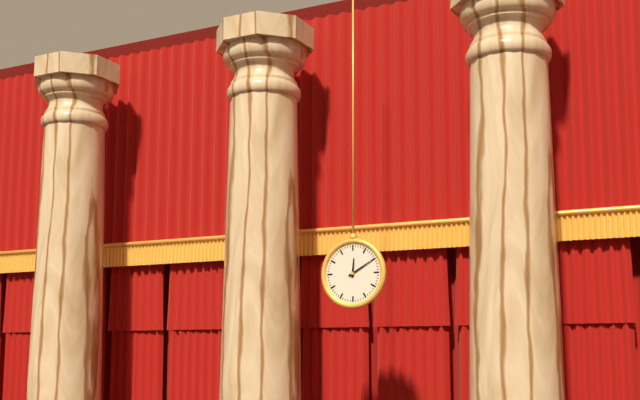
12 h 10 min
